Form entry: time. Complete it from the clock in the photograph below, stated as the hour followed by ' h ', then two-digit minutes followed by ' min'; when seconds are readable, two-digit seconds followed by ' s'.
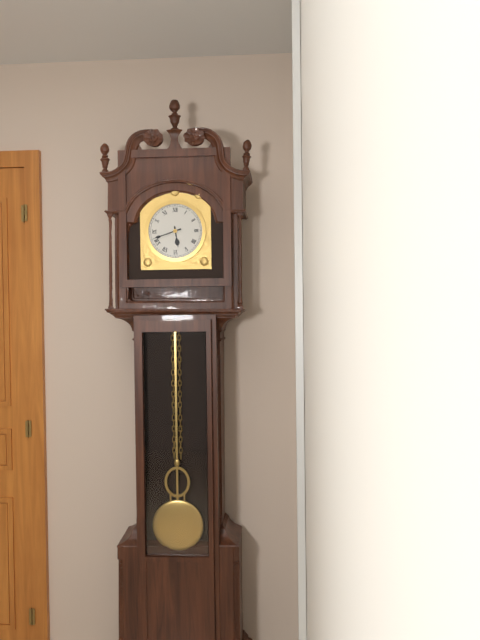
5 h 42 min
